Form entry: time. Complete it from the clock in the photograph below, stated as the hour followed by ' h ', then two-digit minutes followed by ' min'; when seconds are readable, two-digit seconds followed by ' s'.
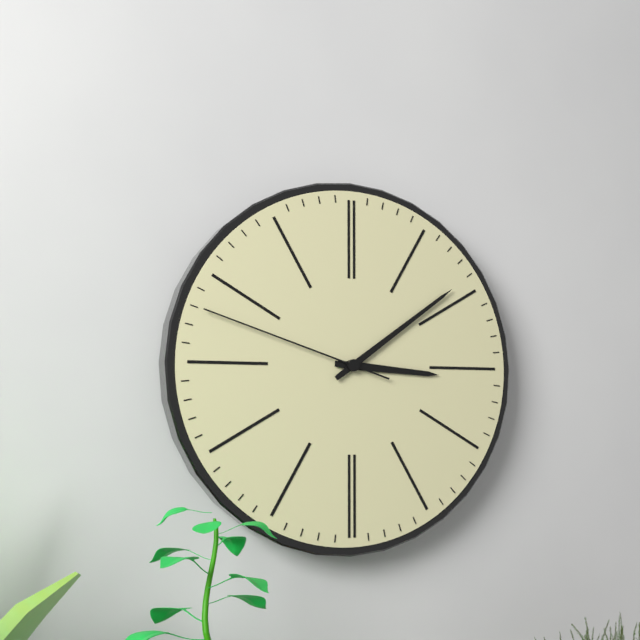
3 h 09 min 48 s
